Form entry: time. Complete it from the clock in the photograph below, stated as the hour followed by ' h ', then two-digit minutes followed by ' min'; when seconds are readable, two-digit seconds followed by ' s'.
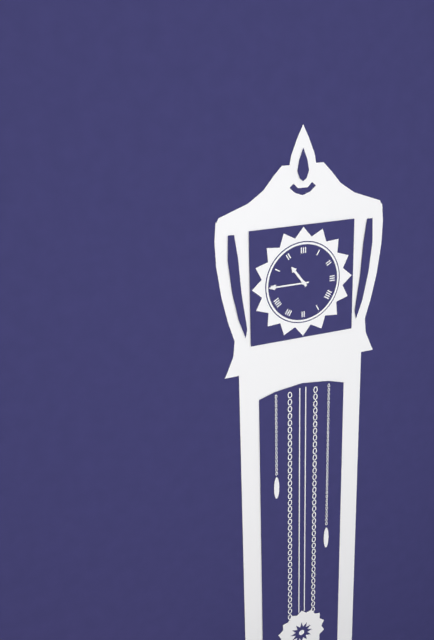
10 h 45 min
